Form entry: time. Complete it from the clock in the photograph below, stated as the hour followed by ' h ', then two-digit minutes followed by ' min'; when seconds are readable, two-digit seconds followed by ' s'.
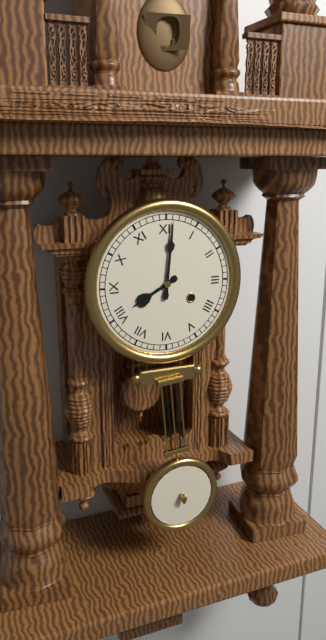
8 h 01 min
